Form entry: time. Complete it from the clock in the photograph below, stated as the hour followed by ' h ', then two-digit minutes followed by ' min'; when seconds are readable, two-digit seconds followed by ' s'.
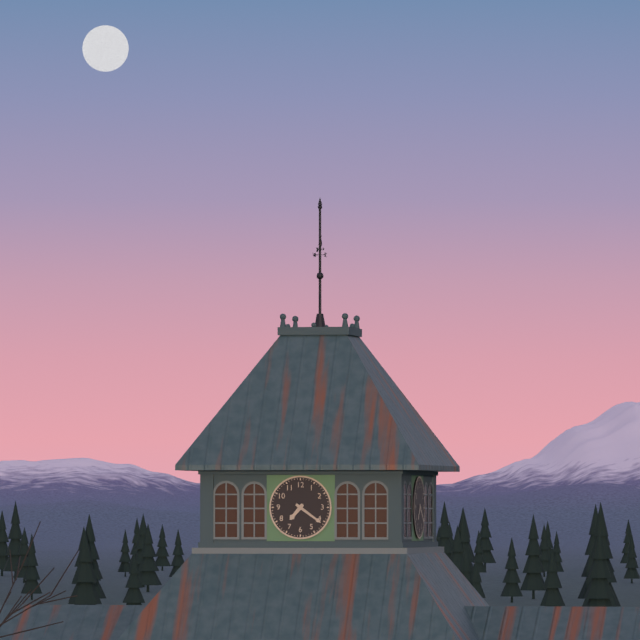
7 h 21 min
